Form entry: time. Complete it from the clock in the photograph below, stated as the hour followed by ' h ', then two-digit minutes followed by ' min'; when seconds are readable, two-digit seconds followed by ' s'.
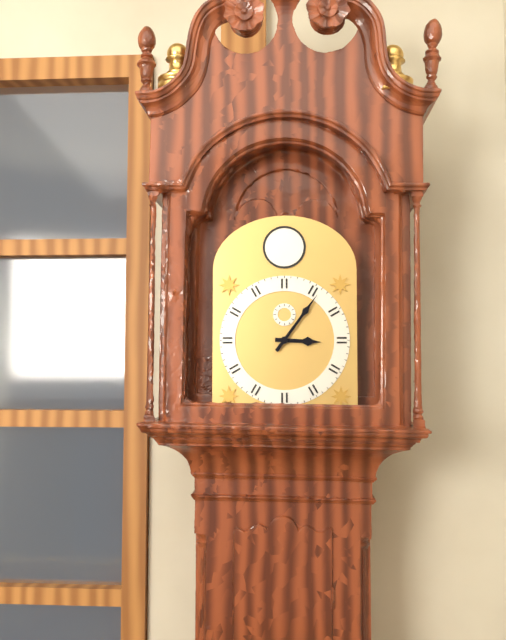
3 h 06 min
